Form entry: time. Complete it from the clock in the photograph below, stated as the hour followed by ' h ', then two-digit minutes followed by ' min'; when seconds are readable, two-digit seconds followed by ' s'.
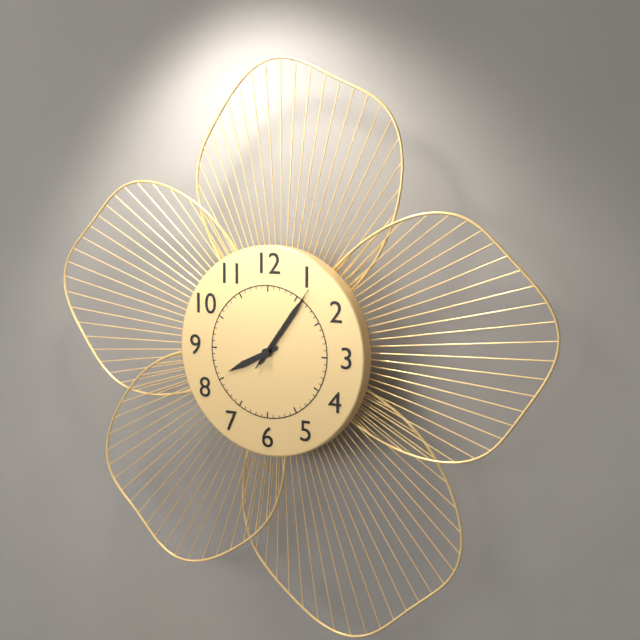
8 h 06 min 06 s
